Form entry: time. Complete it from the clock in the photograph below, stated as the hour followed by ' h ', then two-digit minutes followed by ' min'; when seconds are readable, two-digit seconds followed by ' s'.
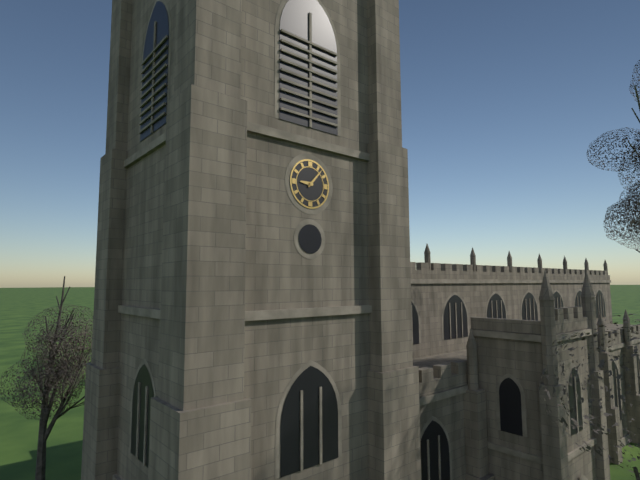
9 h 07 min
